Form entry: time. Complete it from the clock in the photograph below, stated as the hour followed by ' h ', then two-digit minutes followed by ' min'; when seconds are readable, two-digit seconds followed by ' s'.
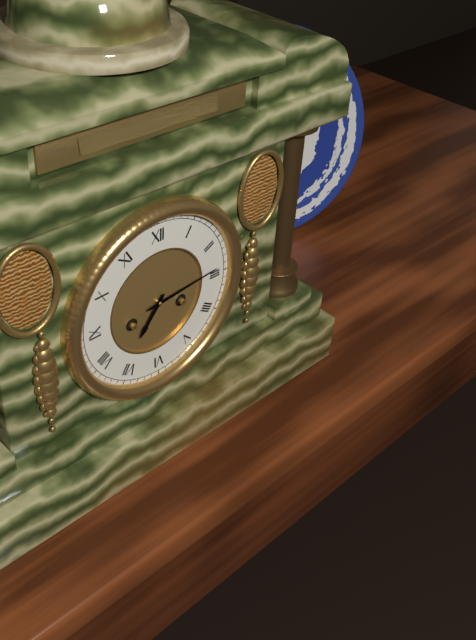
7 h 14 min
